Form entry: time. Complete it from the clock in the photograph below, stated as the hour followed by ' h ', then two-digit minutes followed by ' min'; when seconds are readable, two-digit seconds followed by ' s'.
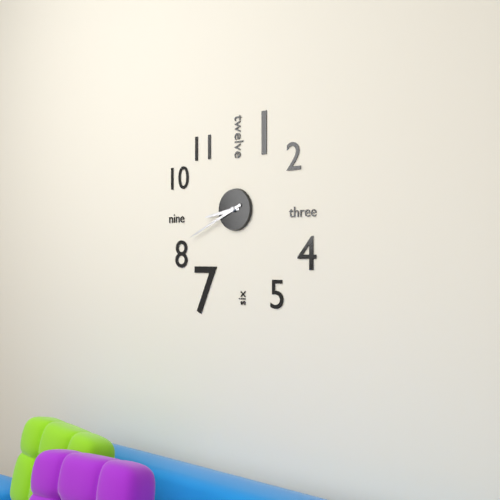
8 h 41 min
